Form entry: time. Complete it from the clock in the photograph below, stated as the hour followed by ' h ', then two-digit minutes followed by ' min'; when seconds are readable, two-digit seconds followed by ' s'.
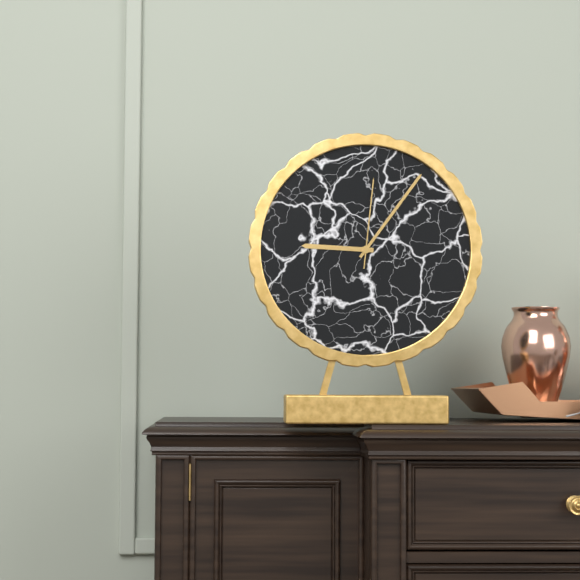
9 h 06 min 01 s
